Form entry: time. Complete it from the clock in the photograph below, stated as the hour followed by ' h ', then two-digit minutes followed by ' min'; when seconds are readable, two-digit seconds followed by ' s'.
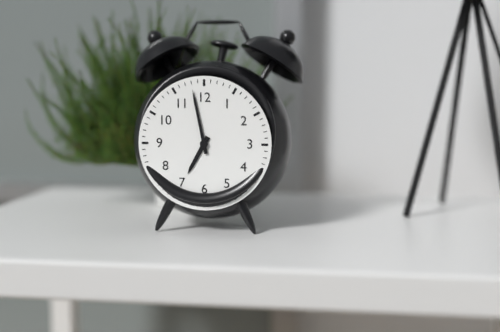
6 h 58 min
